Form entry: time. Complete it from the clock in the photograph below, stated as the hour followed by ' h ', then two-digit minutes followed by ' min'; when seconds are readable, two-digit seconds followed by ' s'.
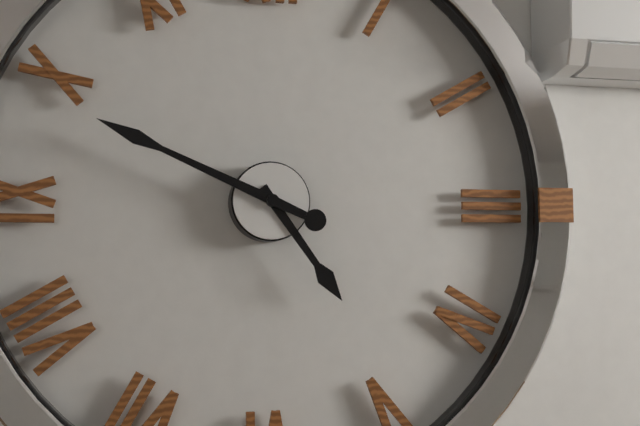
4 h 49 min
